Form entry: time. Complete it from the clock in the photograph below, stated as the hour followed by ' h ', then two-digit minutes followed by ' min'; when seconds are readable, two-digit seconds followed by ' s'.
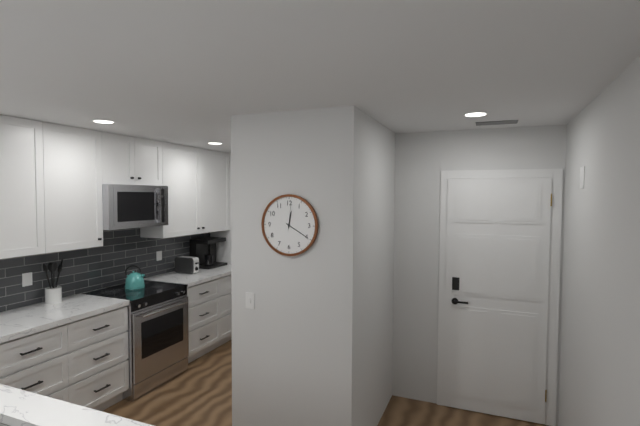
12 h 20 min
